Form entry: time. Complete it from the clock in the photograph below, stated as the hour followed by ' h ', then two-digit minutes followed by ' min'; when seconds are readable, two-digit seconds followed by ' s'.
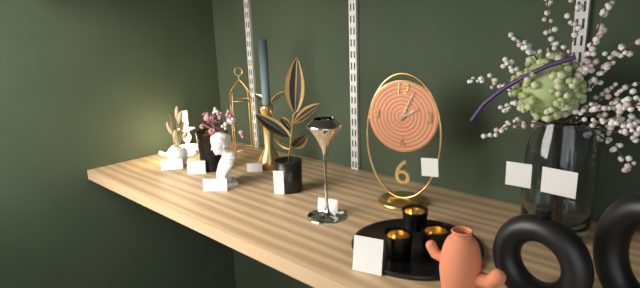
2 h 04 min
